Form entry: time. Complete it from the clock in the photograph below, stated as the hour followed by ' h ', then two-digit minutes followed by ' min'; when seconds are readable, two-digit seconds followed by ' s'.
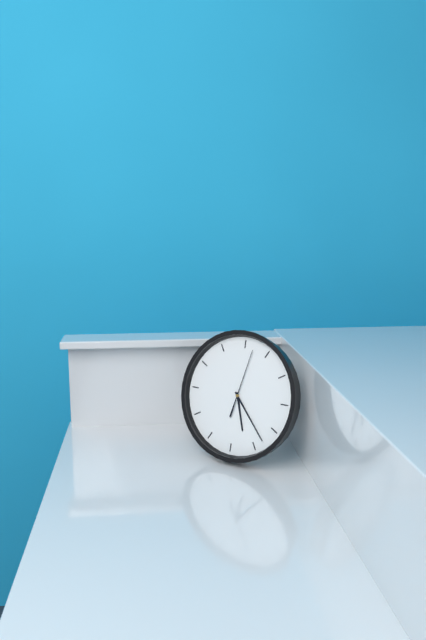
5 h 23 min 02 s
